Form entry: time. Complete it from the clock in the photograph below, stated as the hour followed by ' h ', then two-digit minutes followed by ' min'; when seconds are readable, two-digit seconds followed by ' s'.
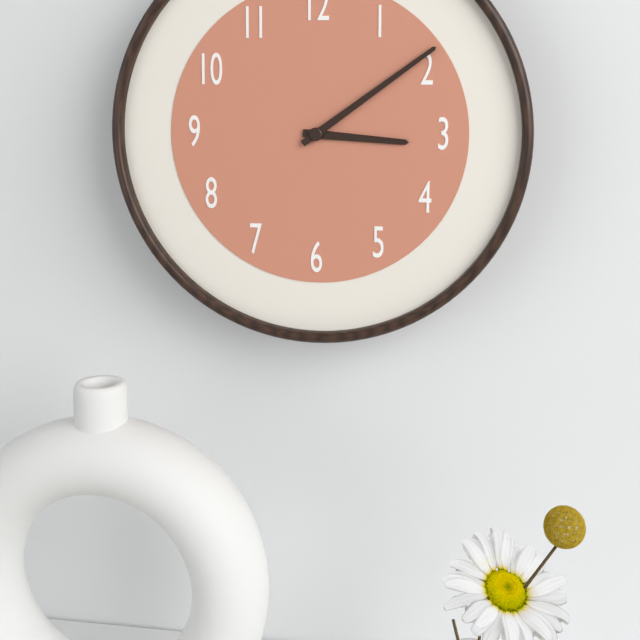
3 h 09 min
